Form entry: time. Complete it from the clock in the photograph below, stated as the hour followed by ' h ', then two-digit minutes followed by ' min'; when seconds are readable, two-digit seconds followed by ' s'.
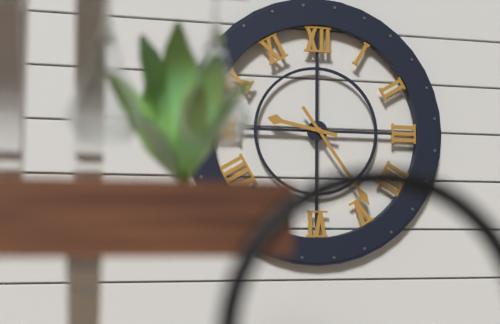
9 h 24 min
